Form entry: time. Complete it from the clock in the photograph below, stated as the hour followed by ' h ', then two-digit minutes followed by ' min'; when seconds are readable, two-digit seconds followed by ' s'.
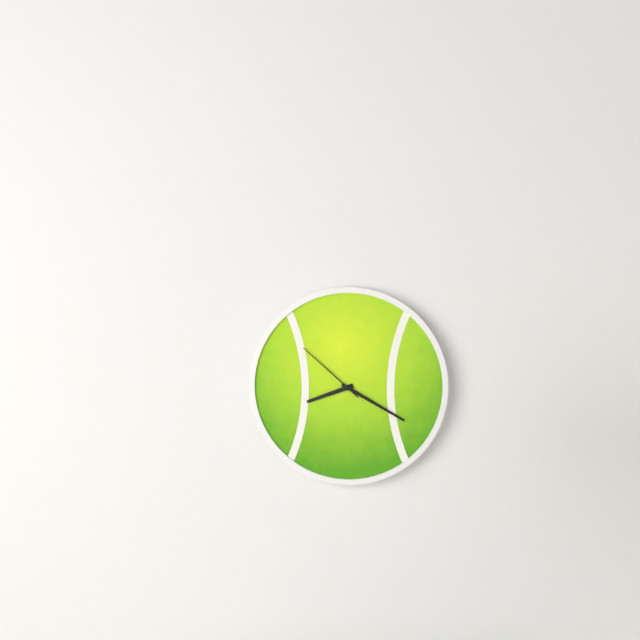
8 h 20 min 52 s
